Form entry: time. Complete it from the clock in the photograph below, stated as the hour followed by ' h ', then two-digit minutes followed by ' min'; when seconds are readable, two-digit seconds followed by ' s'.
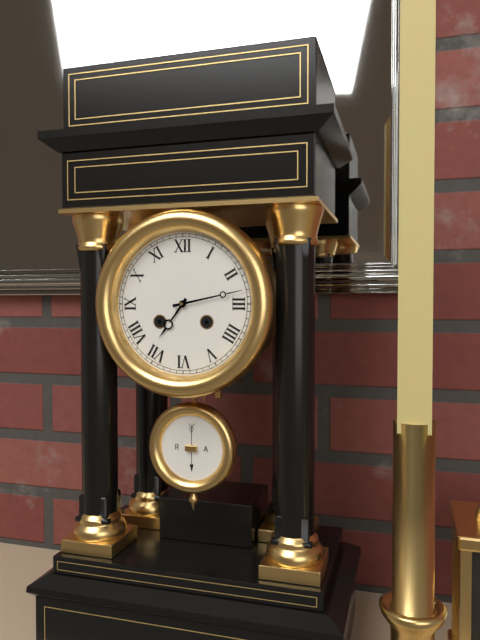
7 h 13 min
